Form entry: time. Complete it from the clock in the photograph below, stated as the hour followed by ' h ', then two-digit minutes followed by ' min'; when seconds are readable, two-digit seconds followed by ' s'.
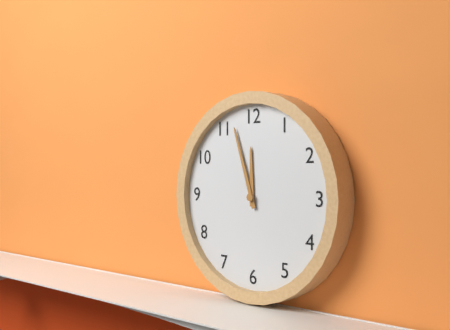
11 h 57 min
